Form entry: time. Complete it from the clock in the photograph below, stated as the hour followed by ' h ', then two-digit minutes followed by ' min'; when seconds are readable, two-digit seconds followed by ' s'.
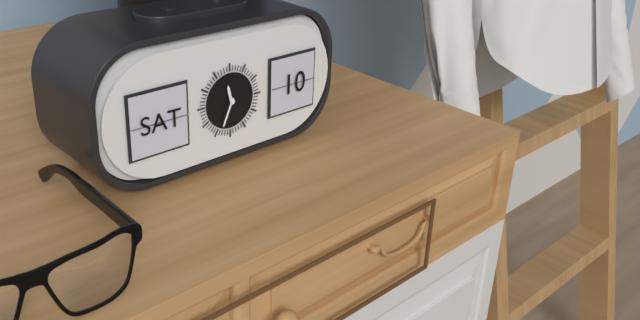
11 h 34 min
